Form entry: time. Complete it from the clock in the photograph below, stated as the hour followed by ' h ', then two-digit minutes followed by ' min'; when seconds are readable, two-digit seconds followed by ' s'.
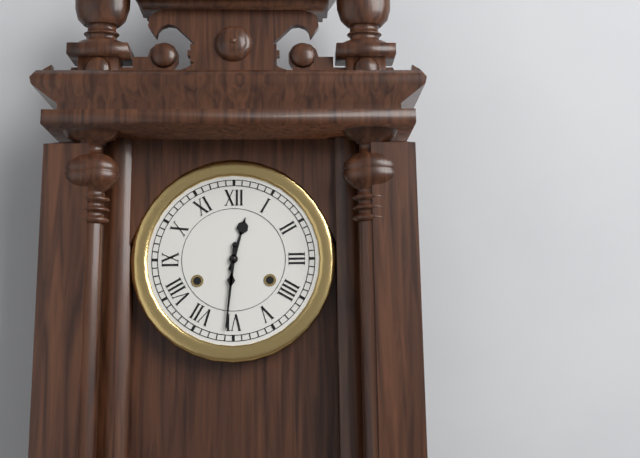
12 h 31 min
